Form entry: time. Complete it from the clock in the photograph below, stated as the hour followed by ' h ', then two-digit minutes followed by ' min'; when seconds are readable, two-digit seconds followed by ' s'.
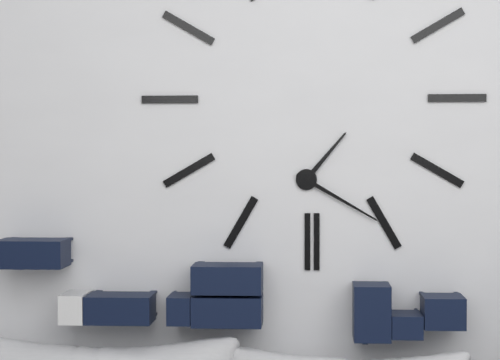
1 h 20 min
